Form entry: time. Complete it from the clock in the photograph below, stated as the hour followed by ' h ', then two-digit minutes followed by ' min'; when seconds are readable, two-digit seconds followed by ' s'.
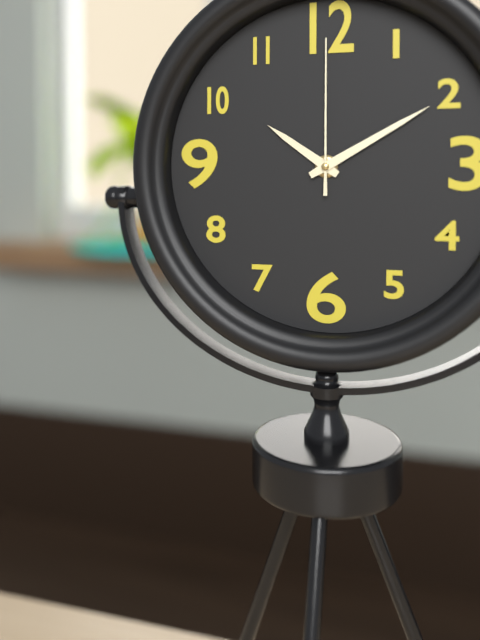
10 h 10 min 00 s
